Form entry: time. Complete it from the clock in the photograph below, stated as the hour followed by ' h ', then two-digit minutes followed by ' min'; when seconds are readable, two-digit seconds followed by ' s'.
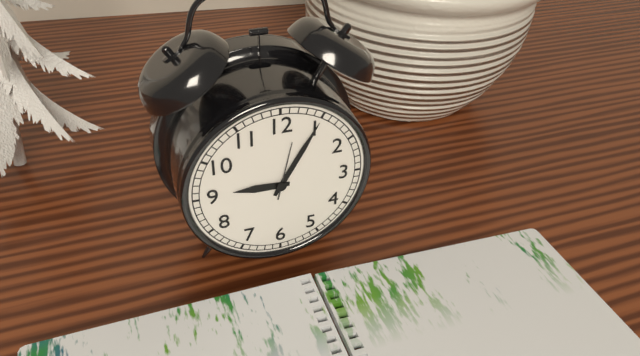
9 h 05 min 02 s
